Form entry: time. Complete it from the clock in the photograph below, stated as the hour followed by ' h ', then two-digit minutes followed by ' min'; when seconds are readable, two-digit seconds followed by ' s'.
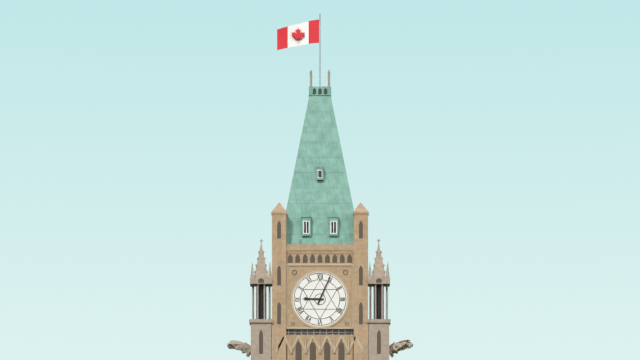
9 h 04 min
